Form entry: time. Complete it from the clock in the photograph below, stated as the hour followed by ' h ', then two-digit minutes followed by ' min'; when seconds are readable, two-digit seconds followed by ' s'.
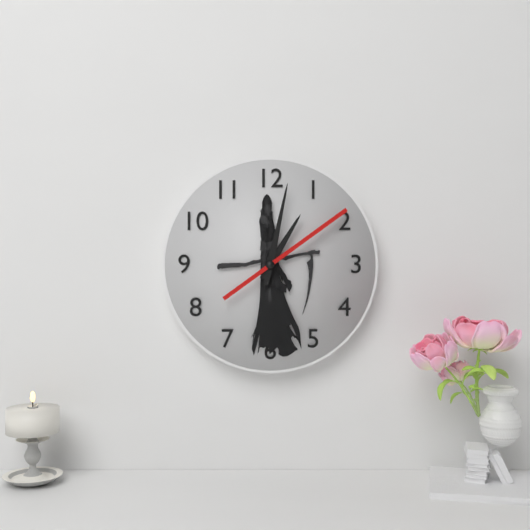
1 h 02 min 09 s
